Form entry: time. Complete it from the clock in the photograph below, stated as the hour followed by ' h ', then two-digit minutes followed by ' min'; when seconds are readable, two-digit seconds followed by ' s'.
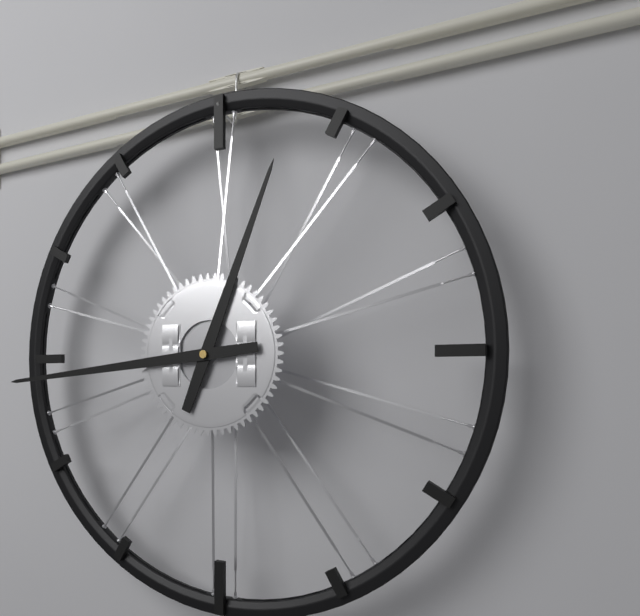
12 h 44 min
